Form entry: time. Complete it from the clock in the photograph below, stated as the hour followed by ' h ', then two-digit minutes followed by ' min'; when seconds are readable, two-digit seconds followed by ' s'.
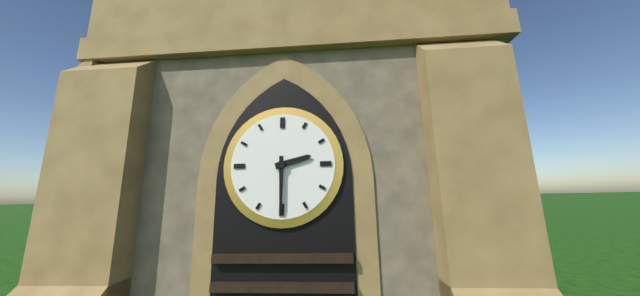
2 h 30 min
